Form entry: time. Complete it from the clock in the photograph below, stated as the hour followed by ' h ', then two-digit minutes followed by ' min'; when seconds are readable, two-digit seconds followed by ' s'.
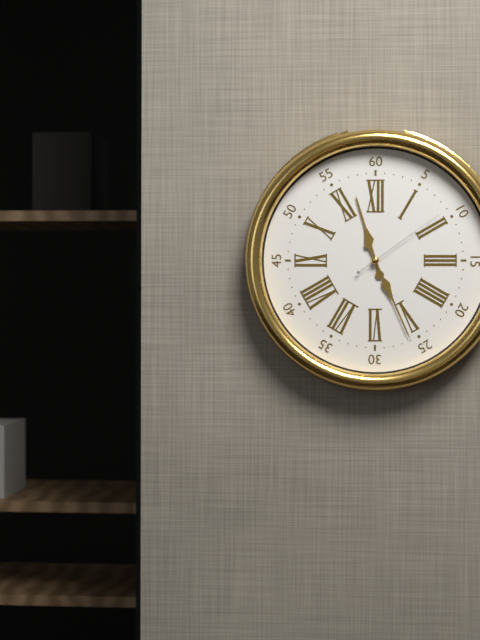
11 h 26 min 09 s
